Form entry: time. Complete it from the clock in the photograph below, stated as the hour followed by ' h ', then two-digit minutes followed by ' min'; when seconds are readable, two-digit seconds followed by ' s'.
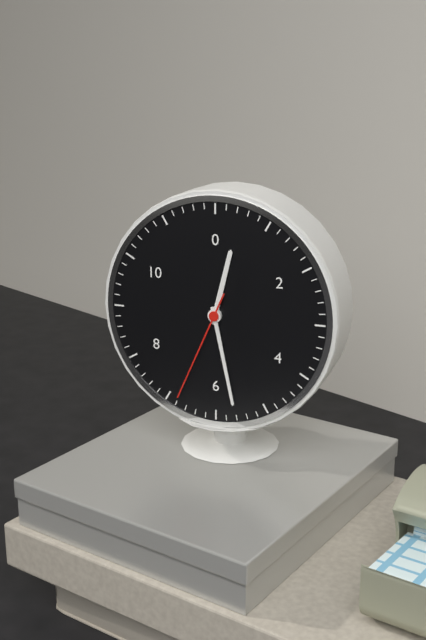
12 h 28 min 34 s
